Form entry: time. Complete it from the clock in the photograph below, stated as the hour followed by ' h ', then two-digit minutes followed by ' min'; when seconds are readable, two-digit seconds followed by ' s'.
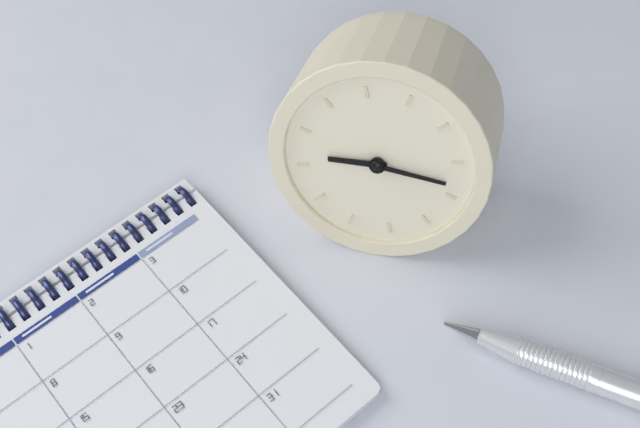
9 h 18 min
